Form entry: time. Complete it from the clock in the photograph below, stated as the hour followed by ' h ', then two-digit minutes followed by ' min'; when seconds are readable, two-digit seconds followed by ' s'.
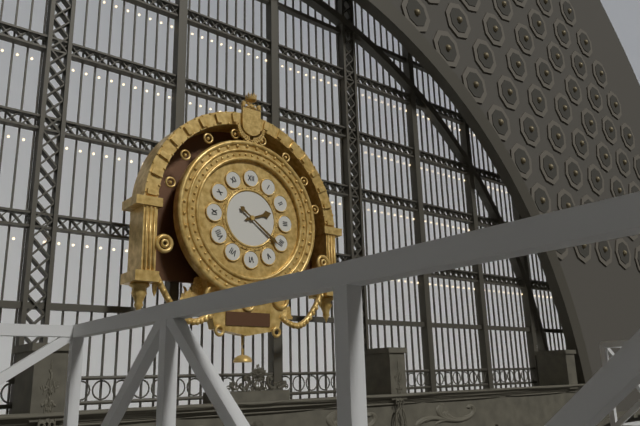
2 h 21 min
